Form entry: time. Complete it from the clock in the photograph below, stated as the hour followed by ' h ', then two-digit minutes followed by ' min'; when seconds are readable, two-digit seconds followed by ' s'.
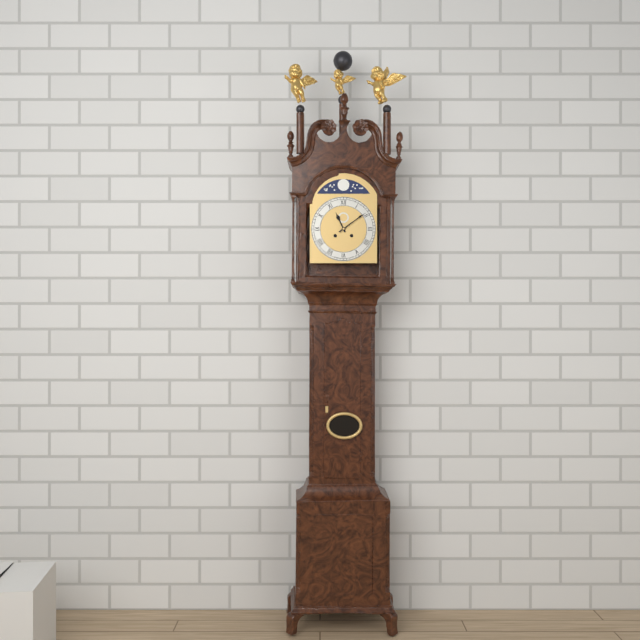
11 h 09 min
